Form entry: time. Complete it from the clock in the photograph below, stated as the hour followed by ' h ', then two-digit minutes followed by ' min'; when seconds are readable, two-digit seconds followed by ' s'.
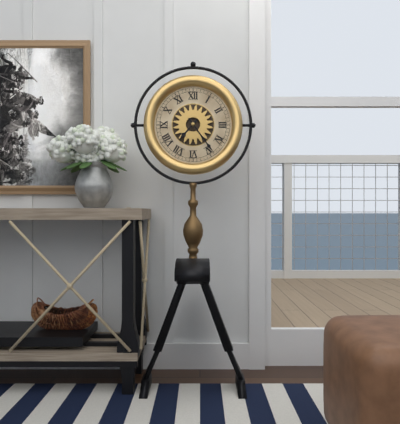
7 h 24 min
